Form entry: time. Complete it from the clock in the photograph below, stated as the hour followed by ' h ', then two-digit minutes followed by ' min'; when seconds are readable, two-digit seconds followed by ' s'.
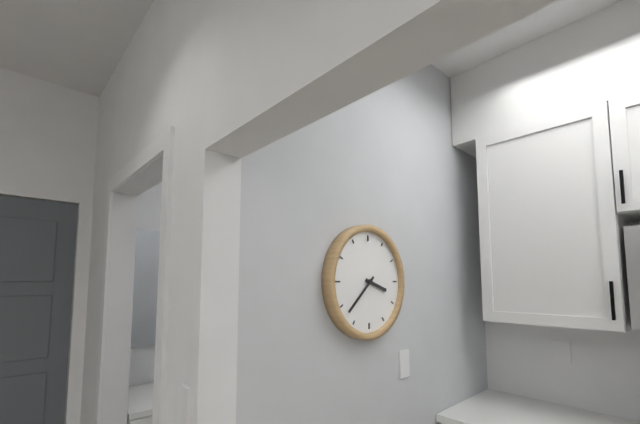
3 h 38 min
